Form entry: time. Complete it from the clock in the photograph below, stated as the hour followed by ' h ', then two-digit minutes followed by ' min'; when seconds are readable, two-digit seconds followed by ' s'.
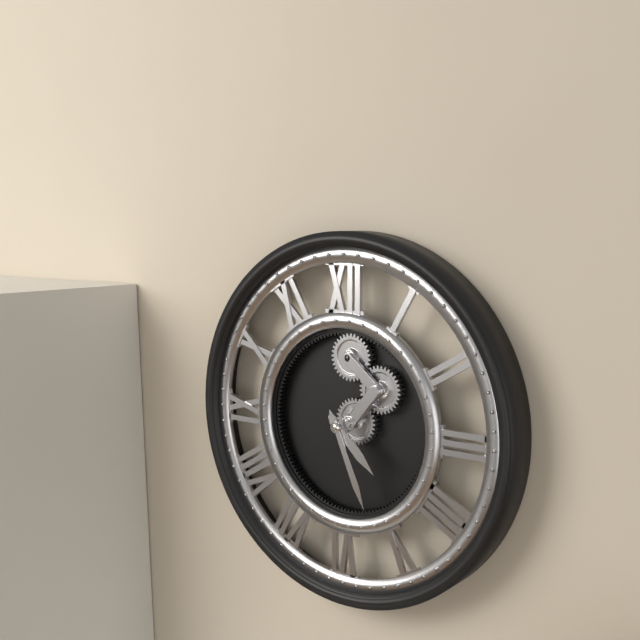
4 h 26 min
